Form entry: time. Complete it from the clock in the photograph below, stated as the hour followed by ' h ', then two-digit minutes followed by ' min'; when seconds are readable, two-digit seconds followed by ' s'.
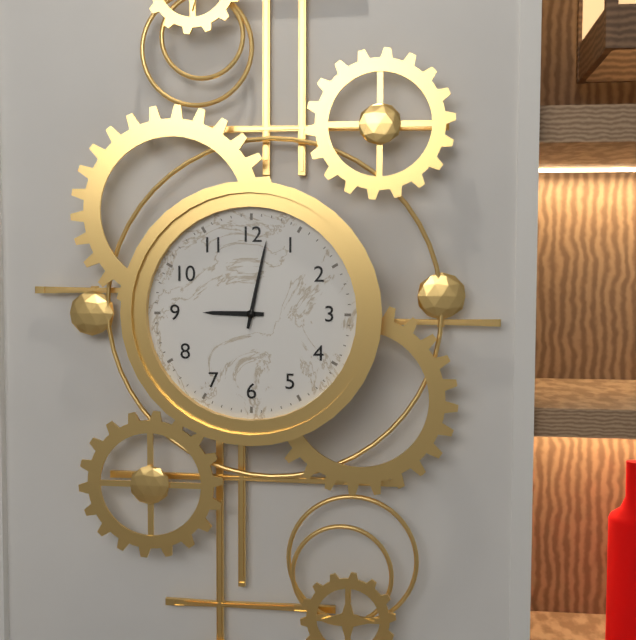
9 h 02 min
